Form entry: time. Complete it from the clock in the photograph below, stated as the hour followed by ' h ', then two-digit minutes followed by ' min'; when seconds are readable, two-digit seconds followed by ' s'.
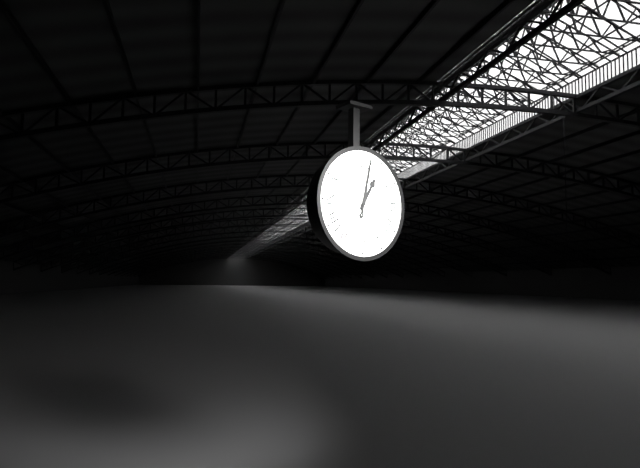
1 h 02 min
